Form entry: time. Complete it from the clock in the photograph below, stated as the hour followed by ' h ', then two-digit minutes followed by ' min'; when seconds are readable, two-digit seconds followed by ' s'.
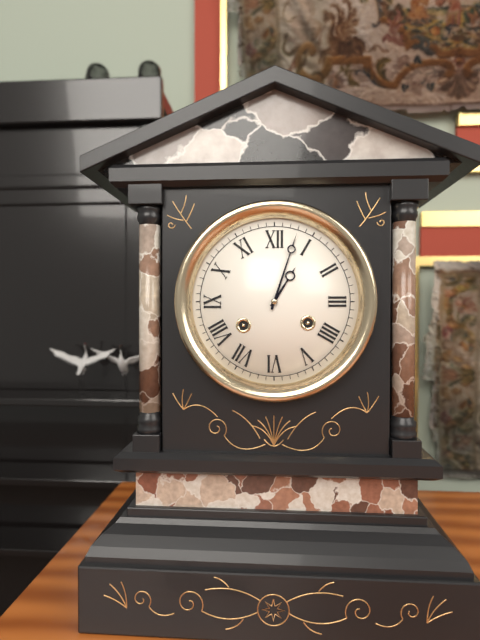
1 h 03 min
